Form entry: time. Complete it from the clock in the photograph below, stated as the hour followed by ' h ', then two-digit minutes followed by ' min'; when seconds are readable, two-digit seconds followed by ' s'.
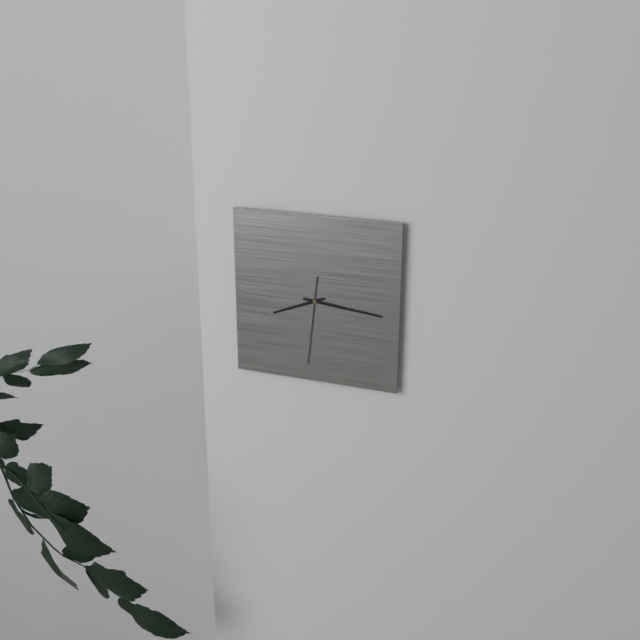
8 h 16 min 31 s
